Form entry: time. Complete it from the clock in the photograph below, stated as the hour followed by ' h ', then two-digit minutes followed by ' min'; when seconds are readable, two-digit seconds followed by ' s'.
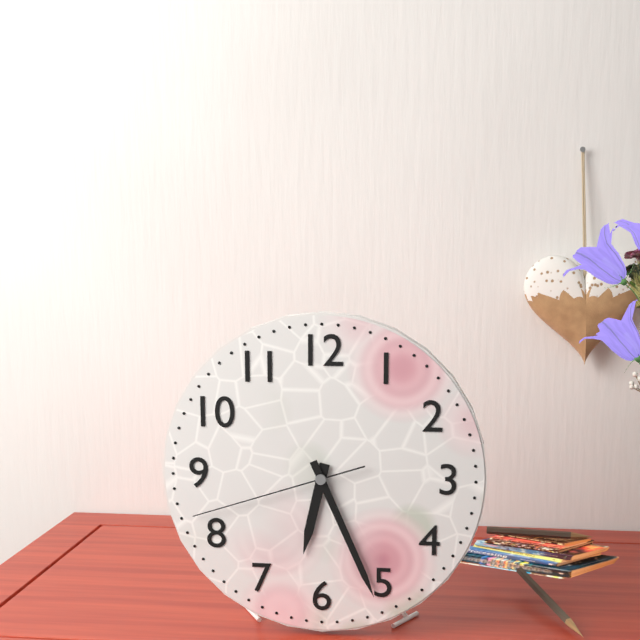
6 h 26 min 42 s
